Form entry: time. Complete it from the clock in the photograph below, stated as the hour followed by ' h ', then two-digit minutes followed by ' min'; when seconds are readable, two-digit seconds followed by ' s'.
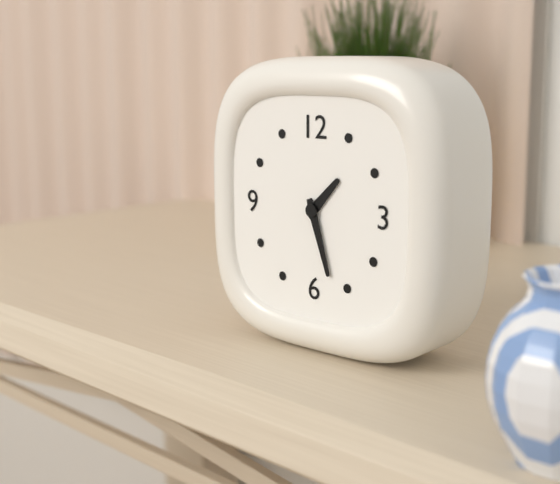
1 h 27 min
